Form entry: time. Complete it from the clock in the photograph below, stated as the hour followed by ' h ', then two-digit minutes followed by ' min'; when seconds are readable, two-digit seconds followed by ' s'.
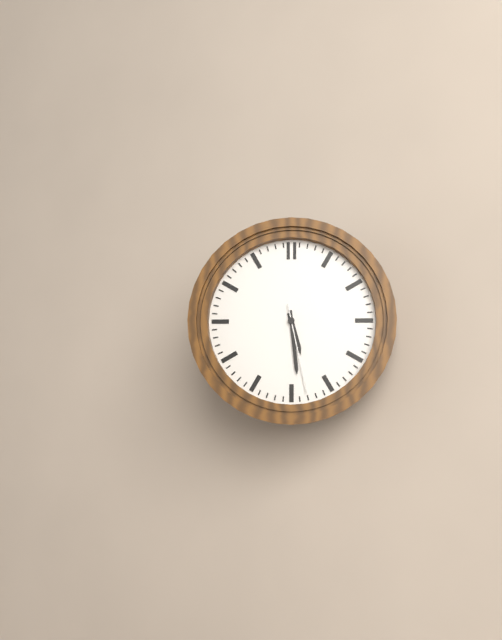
5 h 29 min 28 s
